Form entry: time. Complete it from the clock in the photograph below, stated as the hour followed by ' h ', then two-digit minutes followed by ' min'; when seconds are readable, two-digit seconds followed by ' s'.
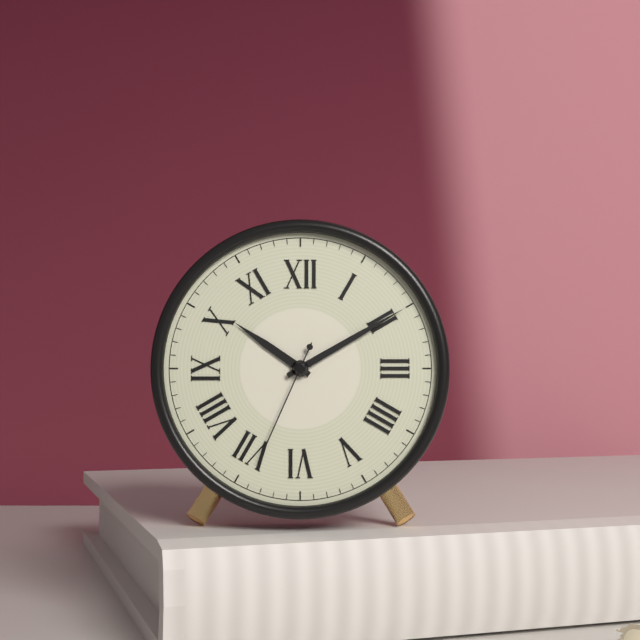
10 h 10 min 34 s
